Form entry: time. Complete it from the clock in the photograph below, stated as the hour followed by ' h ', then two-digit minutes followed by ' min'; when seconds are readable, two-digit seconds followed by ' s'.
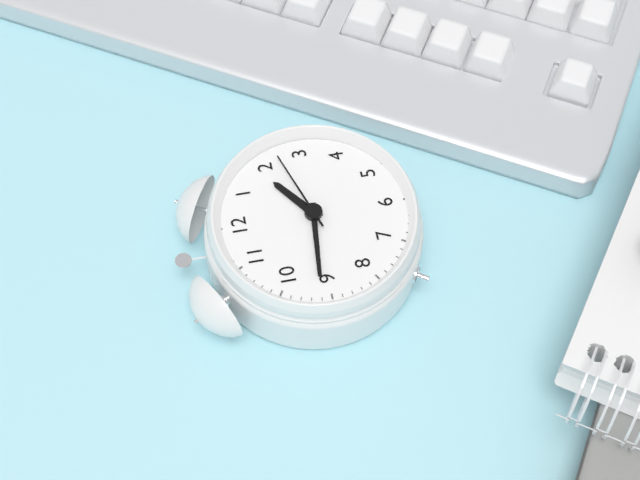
1 h 46 min 12 s
